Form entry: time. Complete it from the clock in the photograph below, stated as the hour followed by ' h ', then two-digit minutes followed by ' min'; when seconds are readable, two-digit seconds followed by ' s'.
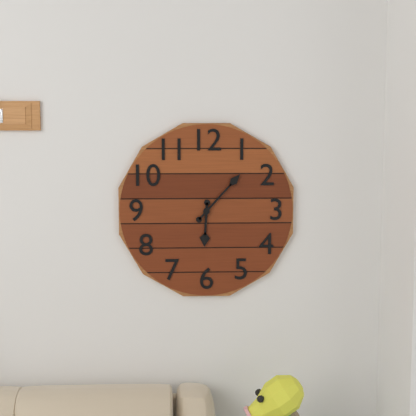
6 h 07 min
